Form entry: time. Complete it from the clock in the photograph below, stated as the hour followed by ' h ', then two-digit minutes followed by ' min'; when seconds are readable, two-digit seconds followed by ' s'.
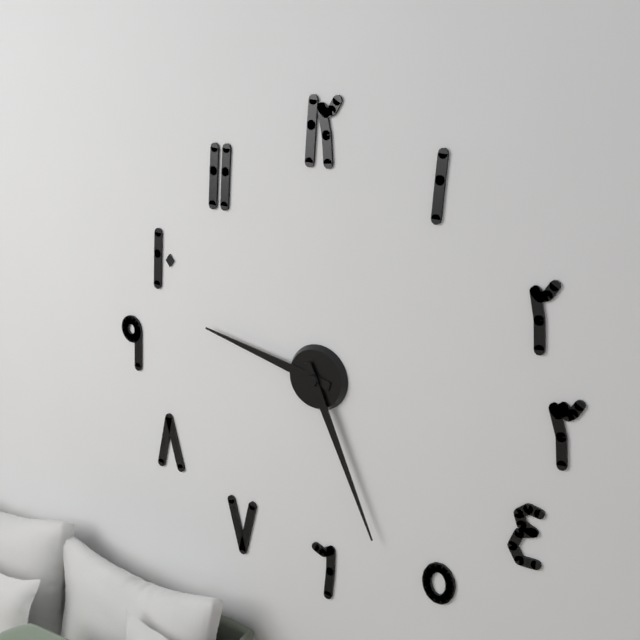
9 h 26 min
